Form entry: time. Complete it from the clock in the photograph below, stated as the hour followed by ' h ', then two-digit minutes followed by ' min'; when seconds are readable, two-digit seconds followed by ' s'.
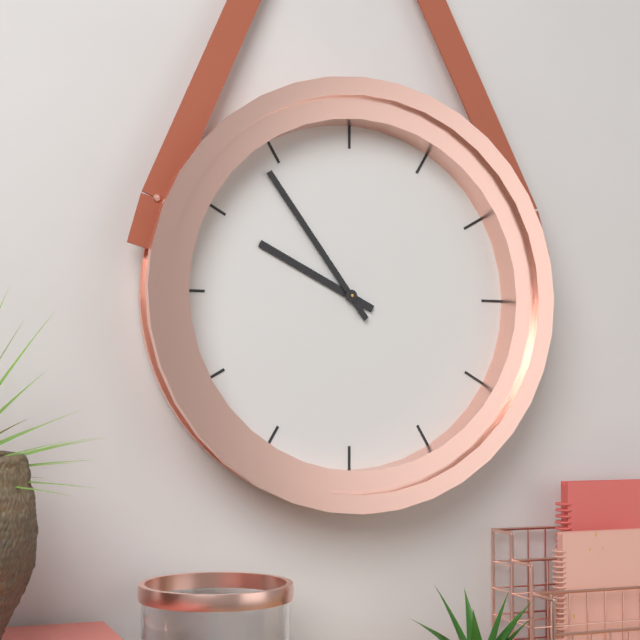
9 h 54 min
